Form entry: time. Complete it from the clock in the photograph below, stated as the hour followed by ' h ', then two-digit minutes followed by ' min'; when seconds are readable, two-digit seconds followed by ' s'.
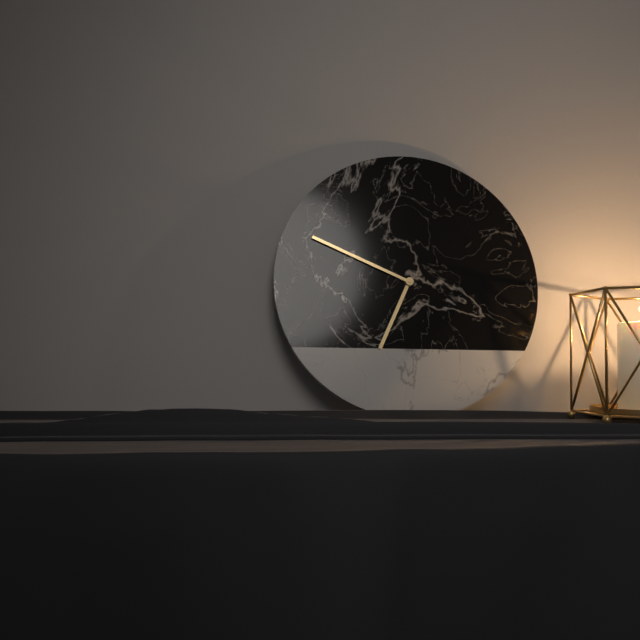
6 h 49 min
